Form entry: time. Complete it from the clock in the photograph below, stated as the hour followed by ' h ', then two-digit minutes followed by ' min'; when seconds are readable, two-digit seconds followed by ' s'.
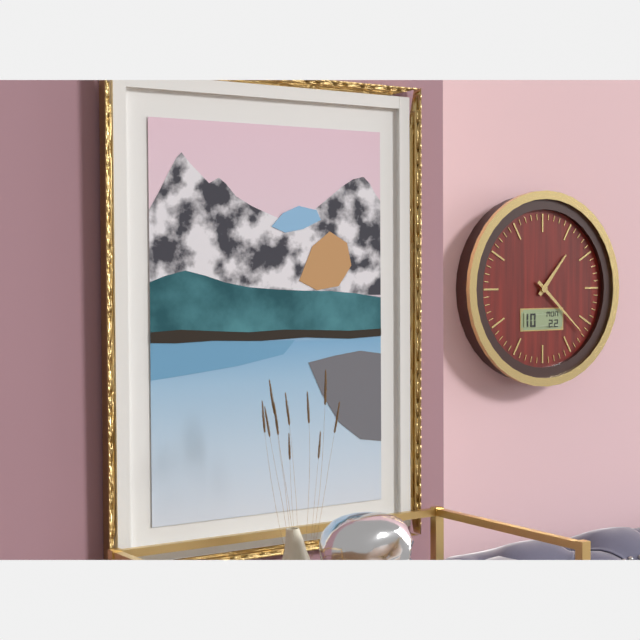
1 h 22 min
